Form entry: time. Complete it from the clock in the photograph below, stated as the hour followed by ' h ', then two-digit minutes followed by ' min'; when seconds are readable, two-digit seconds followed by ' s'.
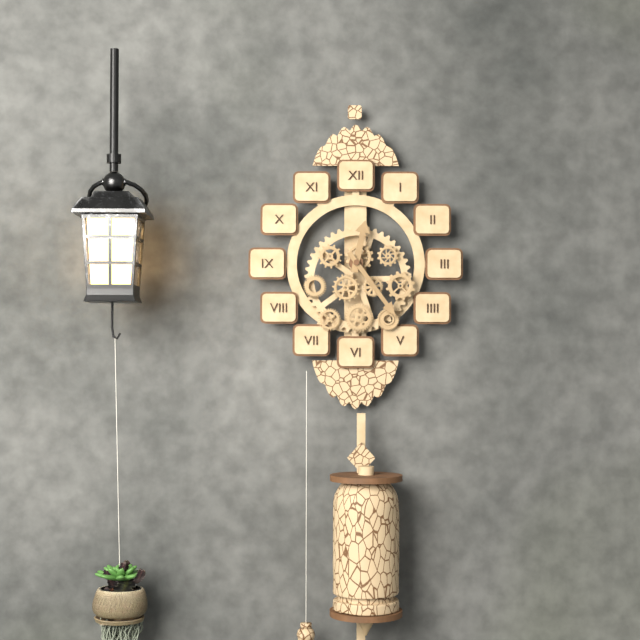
12 h 24 min
